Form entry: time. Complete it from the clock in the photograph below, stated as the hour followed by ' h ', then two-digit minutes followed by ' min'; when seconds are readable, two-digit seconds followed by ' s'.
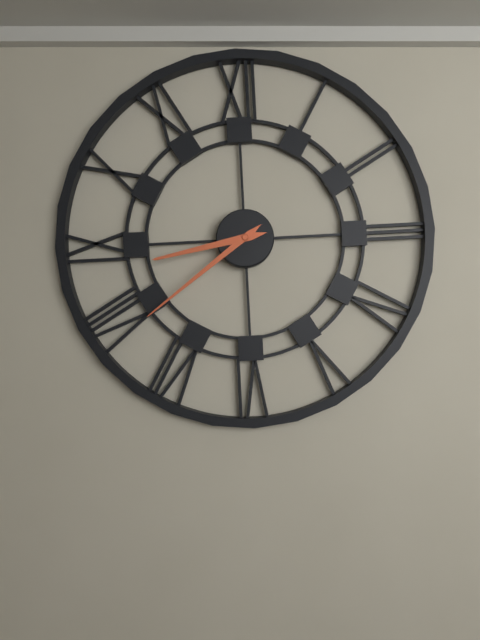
8 h 39 min
